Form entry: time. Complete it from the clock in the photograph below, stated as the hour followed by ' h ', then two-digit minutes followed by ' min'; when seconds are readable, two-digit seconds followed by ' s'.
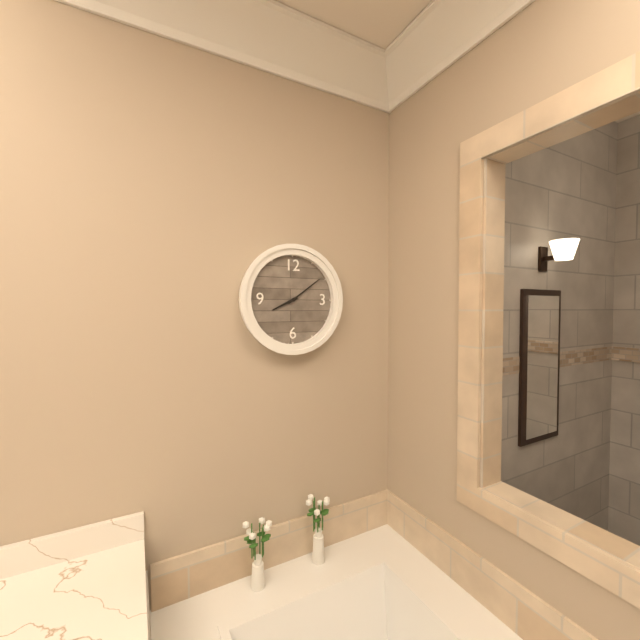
8 h 09 min
